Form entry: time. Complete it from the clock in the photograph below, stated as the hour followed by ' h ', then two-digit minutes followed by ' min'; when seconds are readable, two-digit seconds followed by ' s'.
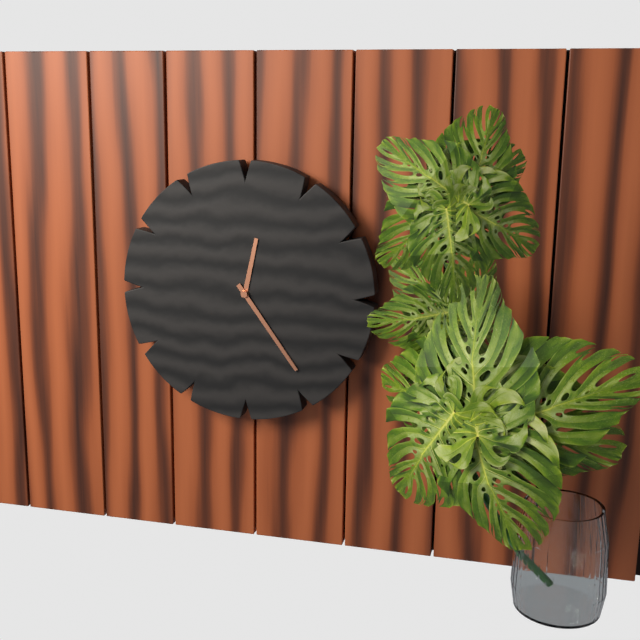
12 h 24 min
